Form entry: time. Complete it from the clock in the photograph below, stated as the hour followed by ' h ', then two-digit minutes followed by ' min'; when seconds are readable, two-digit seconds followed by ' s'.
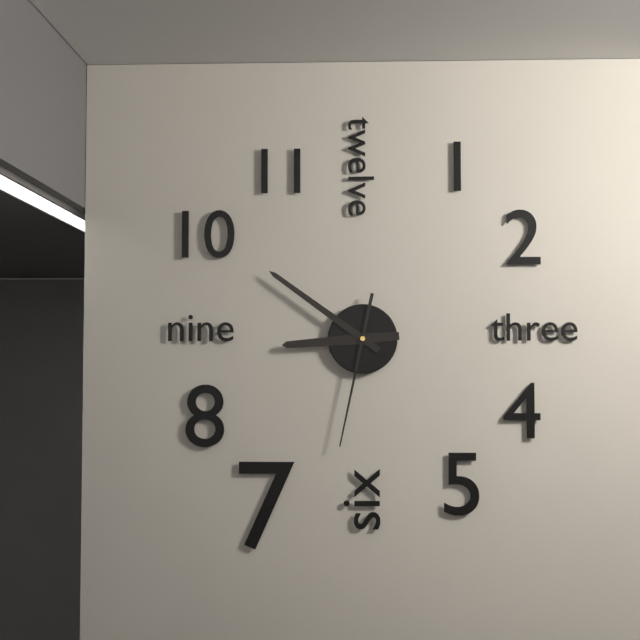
8 h 51 min 32 s
